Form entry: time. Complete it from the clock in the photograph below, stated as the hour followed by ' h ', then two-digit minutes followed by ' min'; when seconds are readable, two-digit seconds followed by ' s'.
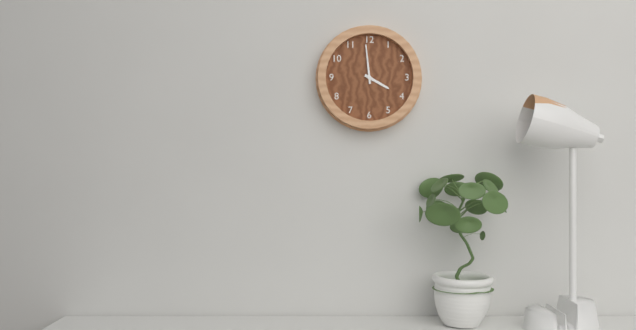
3 h 59 min
